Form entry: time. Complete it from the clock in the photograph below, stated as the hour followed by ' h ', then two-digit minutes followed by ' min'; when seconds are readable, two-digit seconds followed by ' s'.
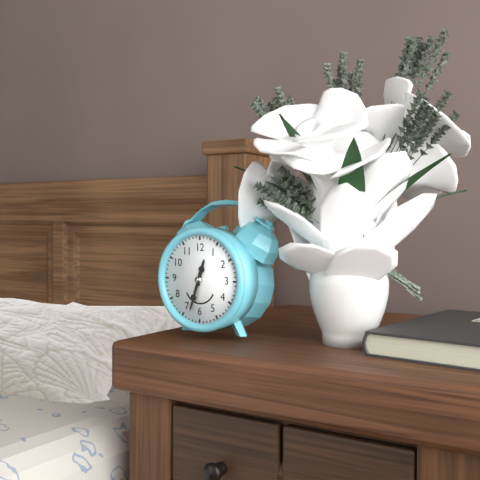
12 h 33 min
